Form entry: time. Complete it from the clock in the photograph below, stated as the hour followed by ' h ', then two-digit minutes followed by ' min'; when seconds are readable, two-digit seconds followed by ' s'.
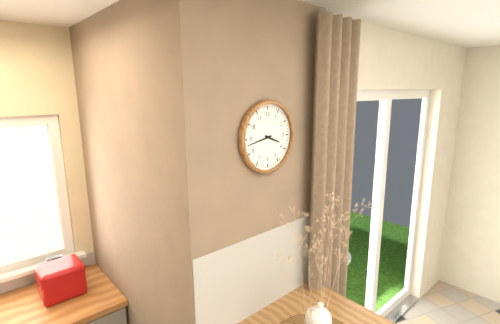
3 h 43 min
